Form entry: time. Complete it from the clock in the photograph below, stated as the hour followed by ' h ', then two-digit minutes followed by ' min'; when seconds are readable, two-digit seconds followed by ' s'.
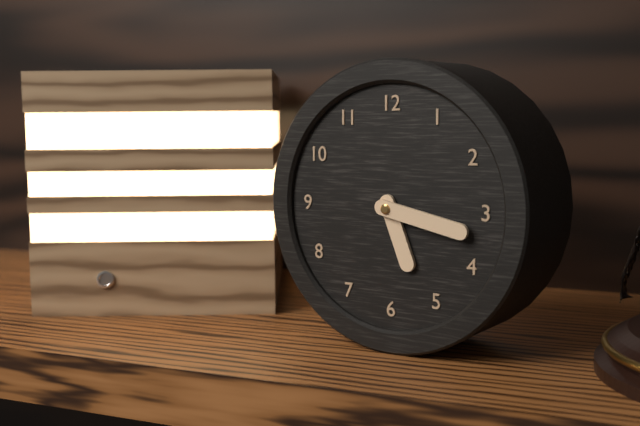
5 h 17 min
